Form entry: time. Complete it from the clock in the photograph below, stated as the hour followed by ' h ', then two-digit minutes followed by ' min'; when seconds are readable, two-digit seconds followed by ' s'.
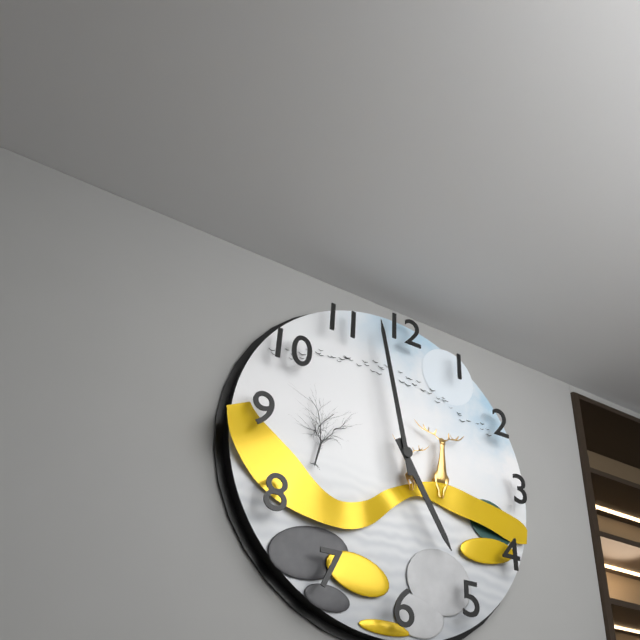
4 h 58 min
